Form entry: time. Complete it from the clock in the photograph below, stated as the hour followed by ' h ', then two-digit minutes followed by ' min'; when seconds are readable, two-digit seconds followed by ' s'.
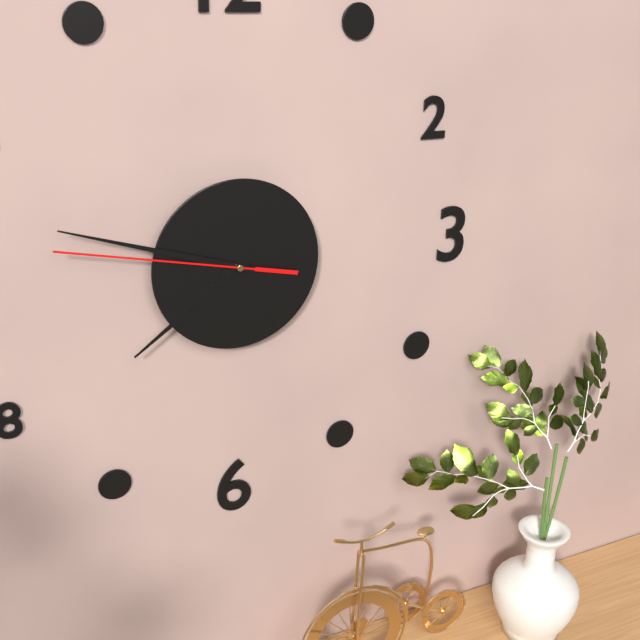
7 h 48 min 47 s
